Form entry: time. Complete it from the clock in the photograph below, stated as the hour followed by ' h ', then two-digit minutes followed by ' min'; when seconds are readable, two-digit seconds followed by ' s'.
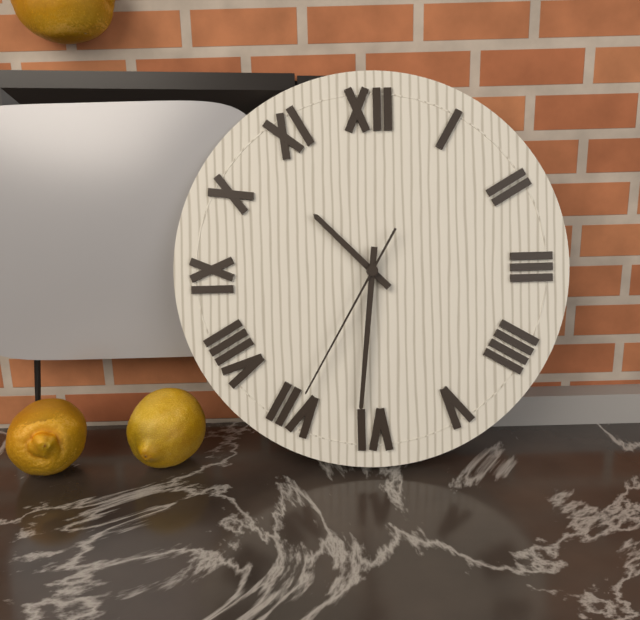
10 h 31 min 35 s
